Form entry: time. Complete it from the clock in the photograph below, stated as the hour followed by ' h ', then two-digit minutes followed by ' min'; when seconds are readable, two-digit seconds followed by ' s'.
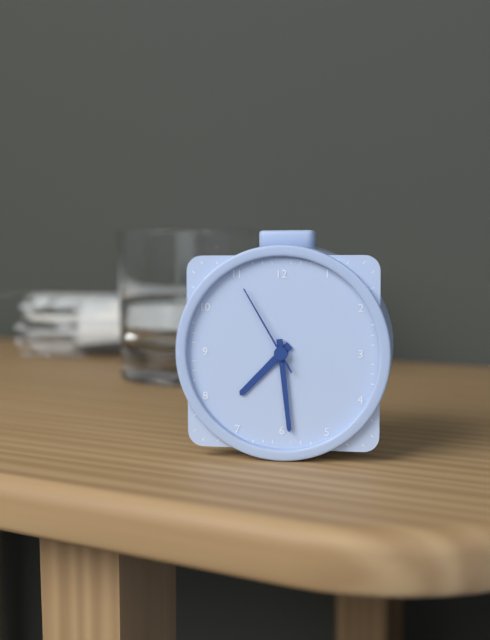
7 h 29 min 55 s
